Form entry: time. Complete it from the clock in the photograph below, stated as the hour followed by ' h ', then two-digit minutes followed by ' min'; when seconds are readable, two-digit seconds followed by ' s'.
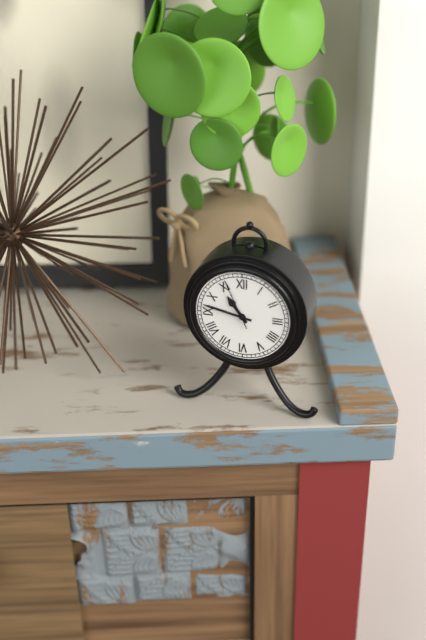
10 h 47 min
